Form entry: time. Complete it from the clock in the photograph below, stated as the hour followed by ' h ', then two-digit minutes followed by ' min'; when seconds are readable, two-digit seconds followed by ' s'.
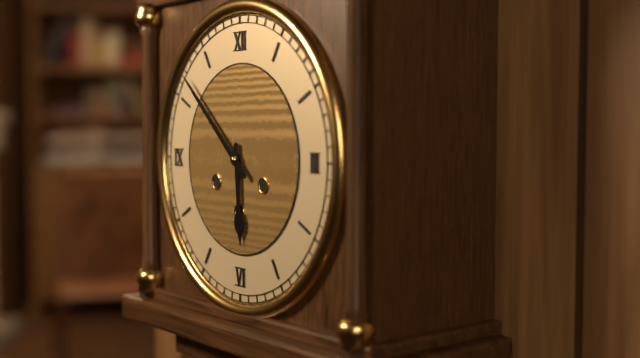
5 h 52 min
